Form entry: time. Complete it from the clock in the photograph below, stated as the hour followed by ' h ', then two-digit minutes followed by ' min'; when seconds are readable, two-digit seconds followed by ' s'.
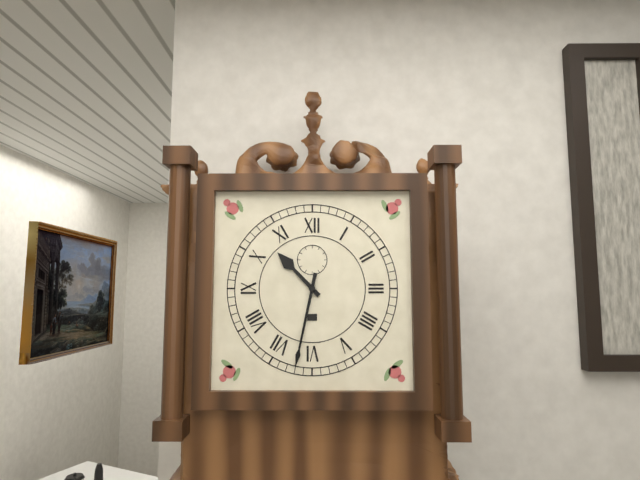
10 h 32 min
